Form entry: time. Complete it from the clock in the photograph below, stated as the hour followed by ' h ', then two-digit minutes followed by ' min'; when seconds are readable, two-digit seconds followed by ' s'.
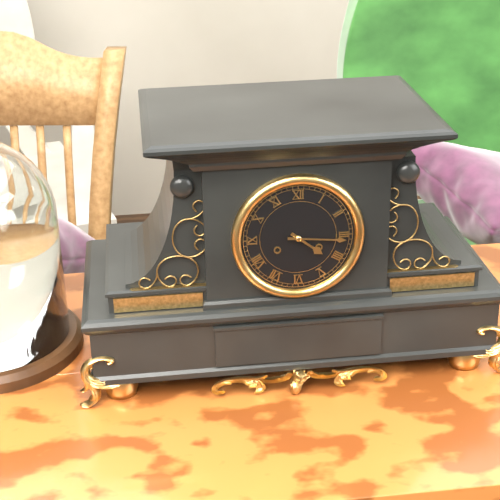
4 h 16 min
